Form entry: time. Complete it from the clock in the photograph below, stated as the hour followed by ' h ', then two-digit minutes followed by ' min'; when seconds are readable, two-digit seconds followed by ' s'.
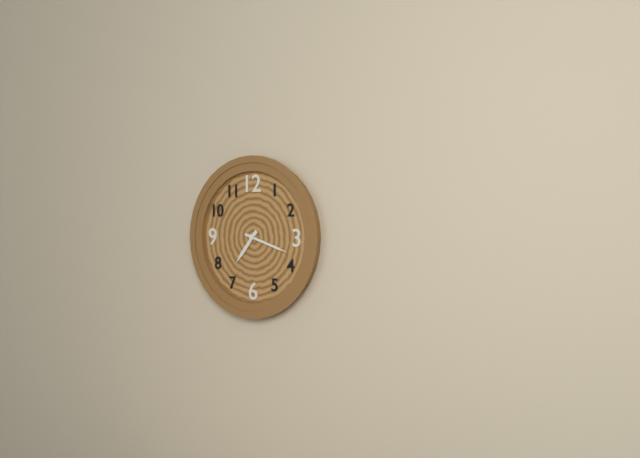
7 h 18 min
